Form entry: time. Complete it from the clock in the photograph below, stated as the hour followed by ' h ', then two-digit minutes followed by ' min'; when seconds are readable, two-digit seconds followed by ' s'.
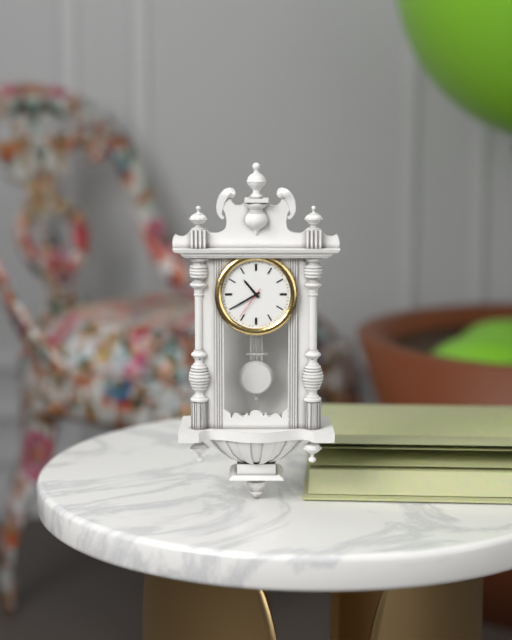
10 h 40 min
